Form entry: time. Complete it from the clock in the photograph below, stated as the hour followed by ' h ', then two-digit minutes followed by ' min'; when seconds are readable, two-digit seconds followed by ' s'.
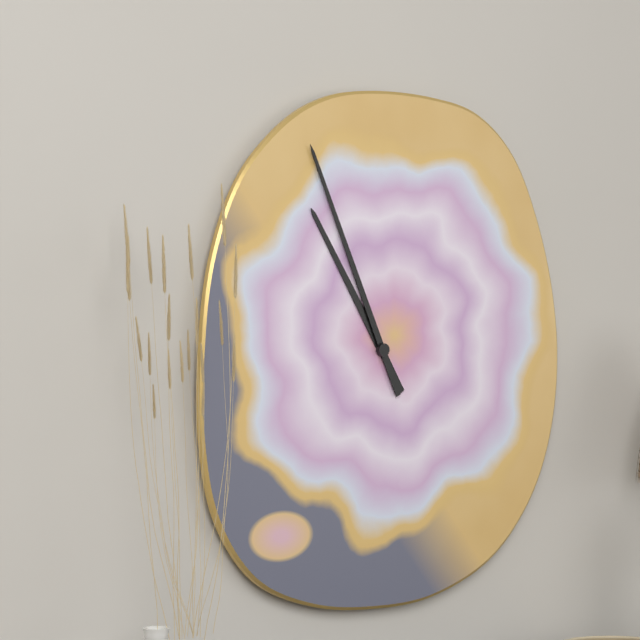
10 h 56 min
